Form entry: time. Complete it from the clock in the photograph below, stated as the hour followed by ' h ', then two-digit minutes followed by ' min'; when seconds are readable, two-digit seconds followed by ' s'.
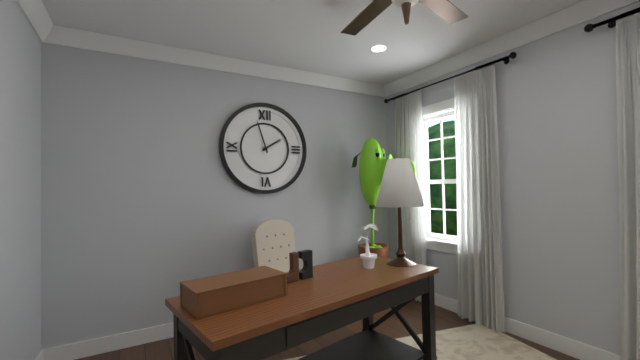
1 h 57 min
